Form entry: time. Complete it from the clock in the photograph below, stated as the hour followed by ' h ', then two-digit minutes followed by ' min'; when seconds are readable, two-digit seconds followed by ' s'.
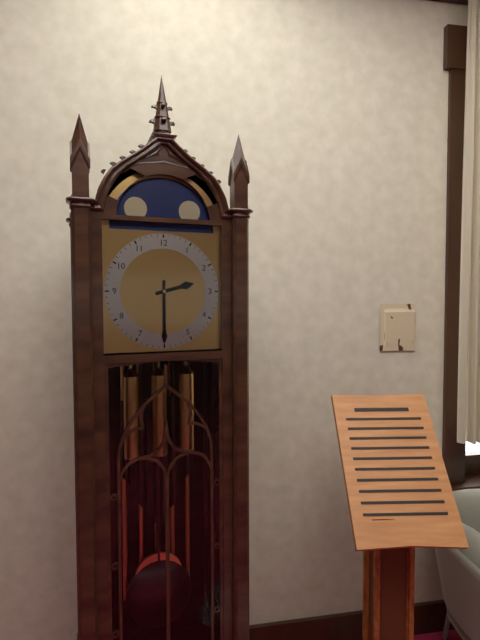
2 h 30 min
